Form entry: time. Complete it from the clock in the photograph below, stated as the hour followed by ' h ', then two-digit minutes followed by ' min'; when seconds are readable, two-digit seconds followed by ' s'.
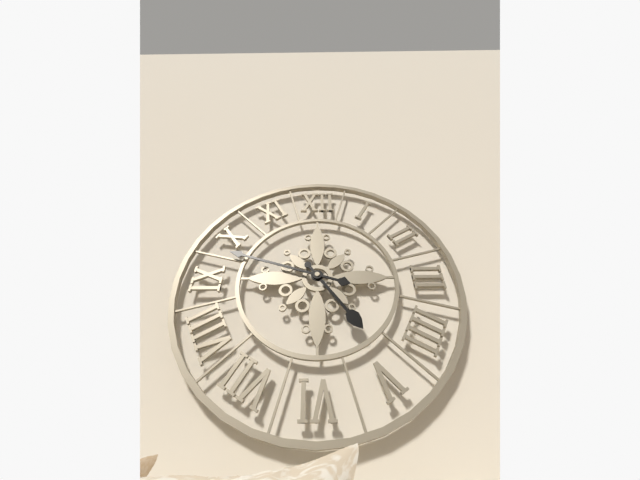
4 h 48 min
